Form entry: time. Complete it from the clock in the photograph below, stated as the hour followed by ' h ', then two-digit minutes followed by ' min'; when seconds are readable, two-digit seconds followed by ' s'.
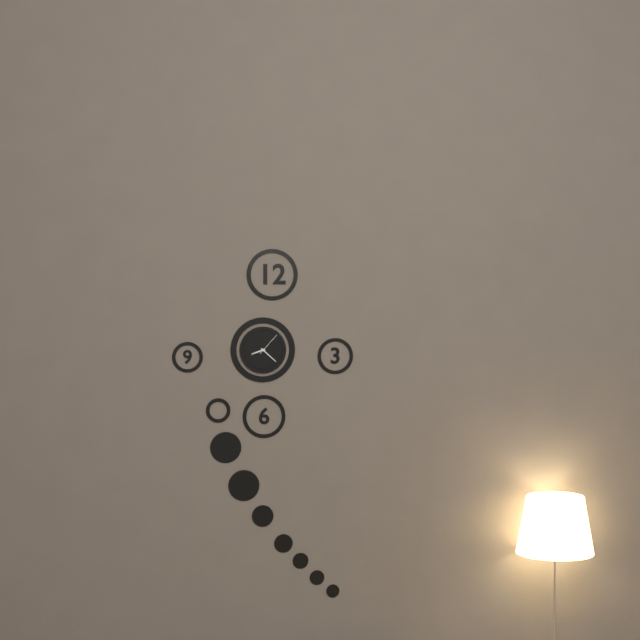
8 h 22 min
